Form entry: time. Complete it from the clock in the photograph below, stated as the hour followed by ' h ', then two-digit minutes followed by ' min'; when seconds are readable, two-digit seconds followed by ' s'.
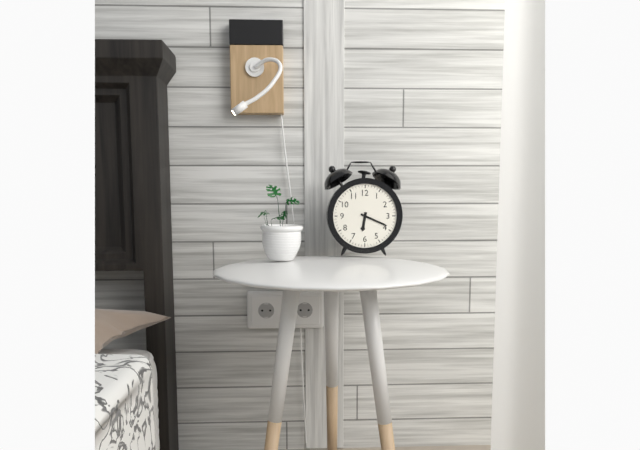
6 h 19 min
